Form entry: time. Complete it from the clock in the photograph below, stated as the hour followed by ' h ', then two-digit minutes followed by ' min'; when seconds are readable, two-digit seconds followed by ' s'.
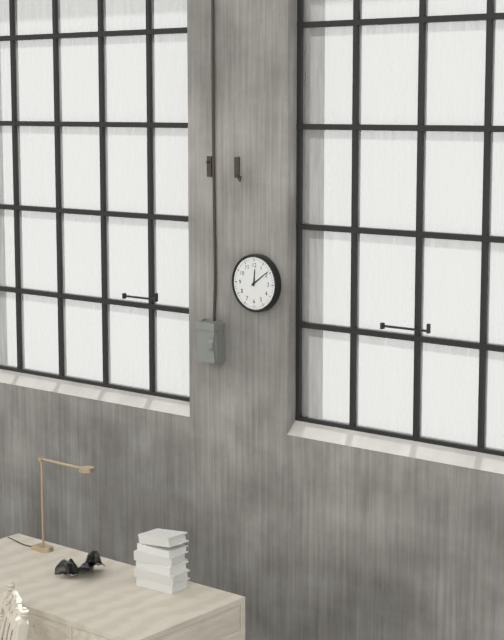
12 h 09 min
